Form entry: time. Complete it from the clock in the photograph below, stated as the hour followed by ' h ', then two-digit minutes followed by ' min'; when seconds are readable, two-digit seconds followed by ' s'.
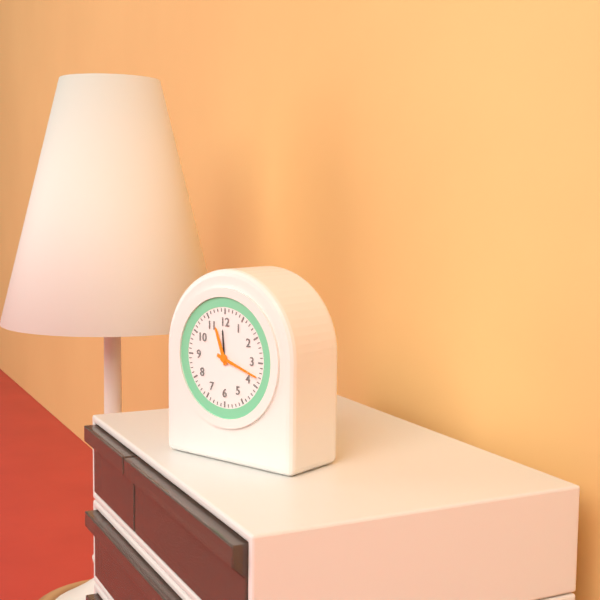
11 h 18 min
